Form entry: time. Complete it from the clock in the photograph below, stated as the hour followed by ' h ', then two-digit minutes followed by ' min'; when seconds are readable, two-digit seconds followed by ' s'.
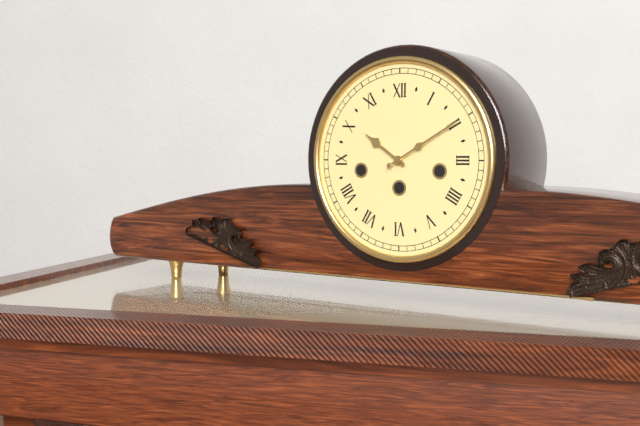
10 h 10 min
